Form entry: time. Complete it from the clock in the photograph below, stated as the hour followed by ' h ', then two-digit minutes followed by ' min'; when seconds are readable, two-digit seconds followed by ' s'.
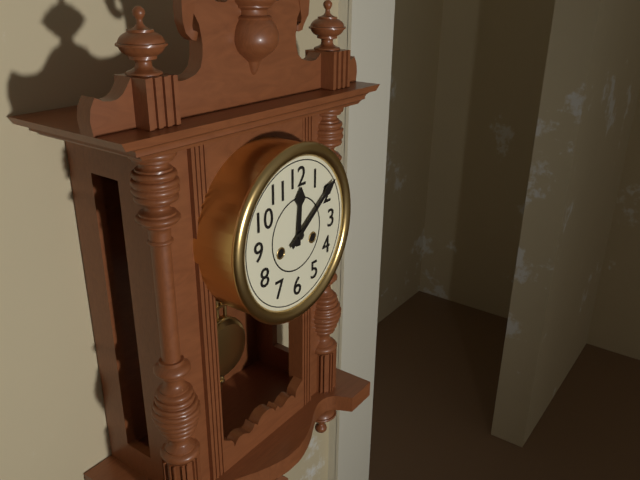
12 h 09 min
